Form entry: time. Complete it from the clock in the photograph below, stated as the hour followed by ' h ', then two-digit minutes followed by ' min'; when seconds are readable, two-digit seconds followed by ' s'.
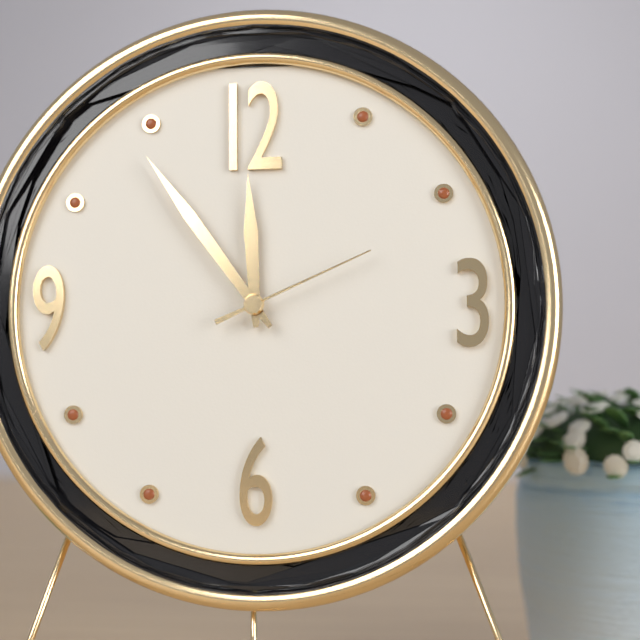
11 h 54 min 11 s
